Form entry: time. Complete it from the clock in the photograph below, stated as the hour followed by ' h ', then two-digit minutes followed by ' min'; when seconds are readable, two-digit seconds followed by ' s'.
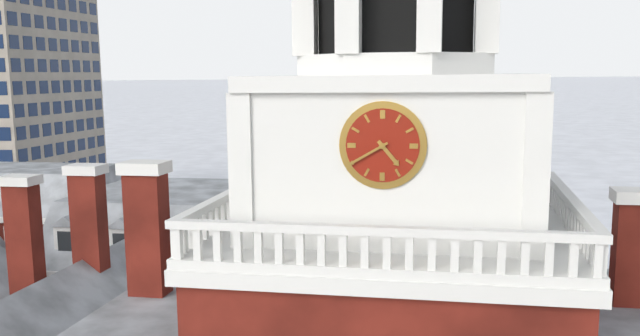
4 h 40 min
